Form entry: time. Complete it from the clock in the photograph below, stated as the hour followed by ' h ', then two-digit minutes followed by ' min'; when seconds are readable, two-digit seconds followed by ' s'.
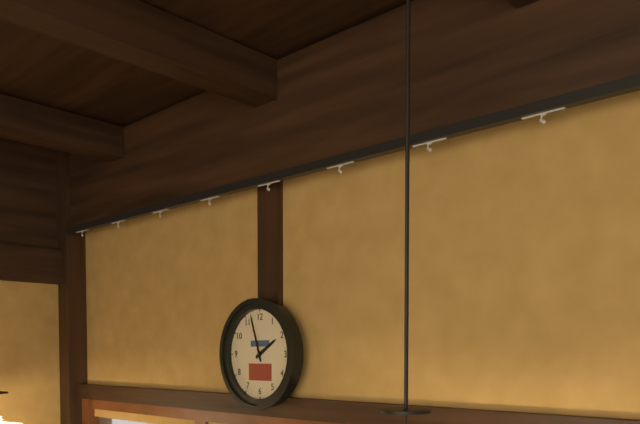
1 h 57 min
